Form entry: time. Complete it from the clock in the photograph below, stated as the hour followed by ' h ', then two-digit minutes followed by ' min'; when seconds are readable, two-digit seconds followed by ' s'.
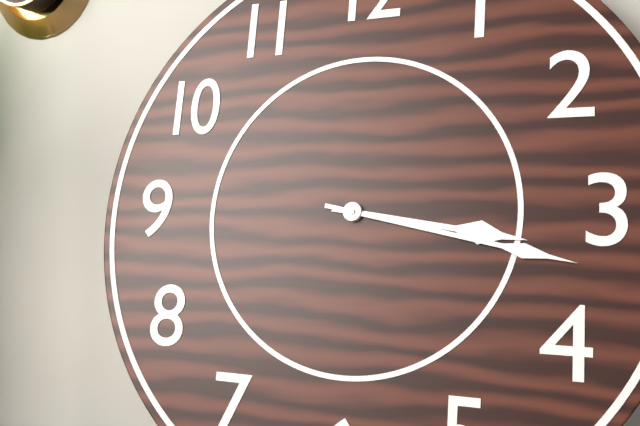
3 h 17 min
